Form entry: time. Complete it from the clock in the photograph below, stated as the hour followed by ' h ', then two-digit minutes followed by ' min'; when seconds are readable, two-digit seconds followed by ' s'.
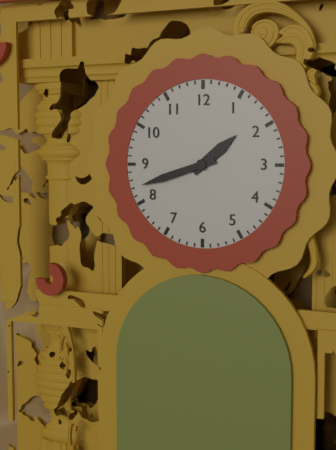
1 h 42 min
